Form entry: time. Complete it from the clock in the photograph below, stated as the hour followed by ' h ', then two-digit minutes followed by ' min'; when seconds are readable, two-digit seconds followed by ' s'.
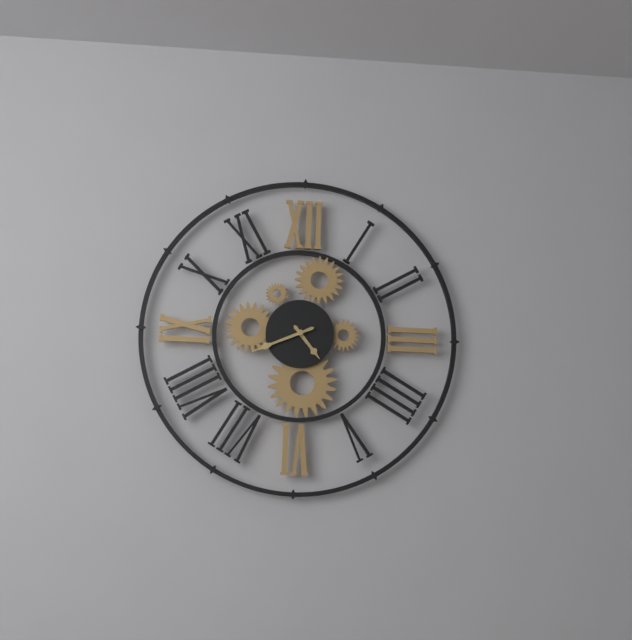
4 h 41 min
